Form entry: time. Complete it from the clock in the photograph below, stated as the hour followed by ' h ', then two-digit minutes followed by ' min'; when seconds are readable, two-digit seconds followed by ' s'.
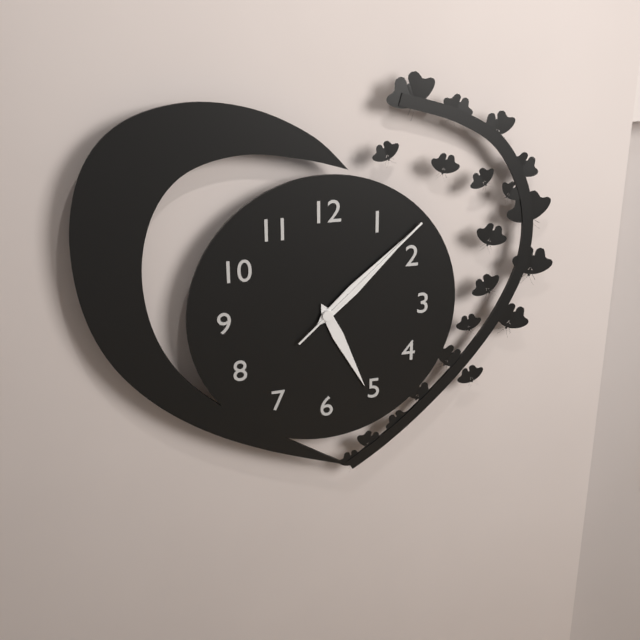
5 h 08 min 08 s
